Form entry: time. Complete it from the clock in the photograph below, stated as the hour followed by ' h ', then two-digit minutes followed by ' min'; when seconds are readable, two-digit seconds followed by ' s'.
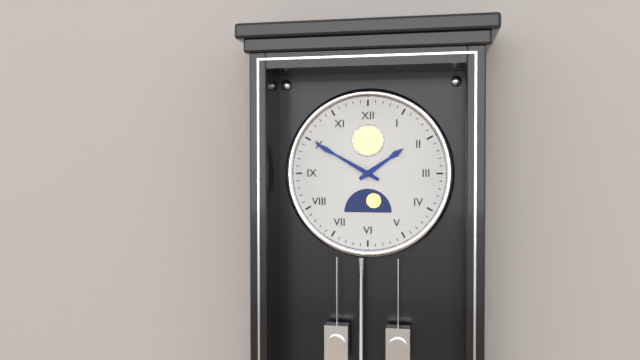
1 h 50 min
